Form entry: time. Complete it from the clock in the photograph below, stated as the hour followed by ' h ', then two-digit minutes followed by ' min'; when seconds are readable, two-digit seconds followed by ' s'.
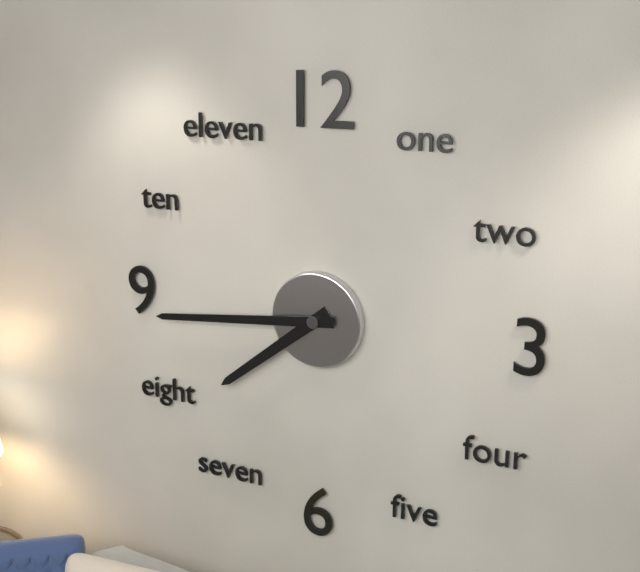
7 h 44 min
